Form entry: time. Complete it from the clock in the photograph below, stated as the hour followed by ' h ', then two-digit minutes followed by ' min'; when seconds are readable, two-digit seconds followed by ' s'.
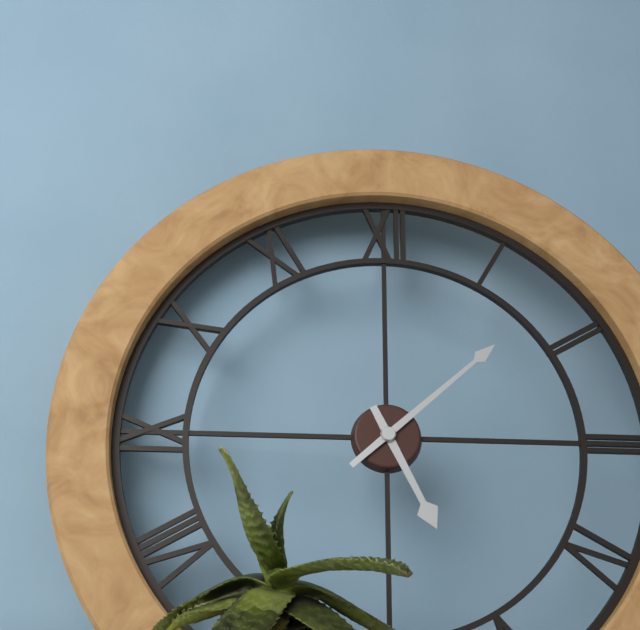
5 h 08 min
